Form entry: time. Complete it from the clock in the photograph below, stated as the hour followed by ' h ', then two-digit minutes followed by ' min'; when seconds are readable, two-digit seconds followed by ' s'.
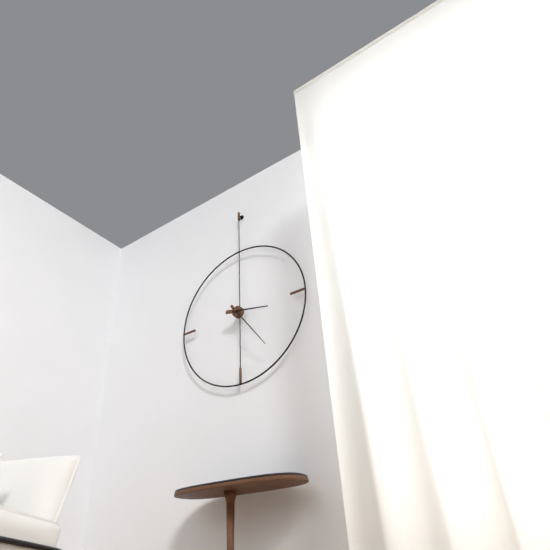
3 h 24 min
